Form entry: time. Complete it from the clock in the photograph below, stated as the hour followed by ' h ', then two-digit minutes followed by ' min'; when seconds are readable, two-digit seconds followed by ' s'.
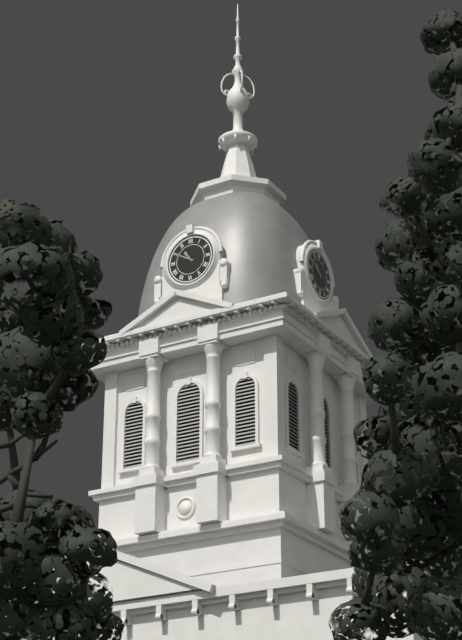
10 h 50 min
